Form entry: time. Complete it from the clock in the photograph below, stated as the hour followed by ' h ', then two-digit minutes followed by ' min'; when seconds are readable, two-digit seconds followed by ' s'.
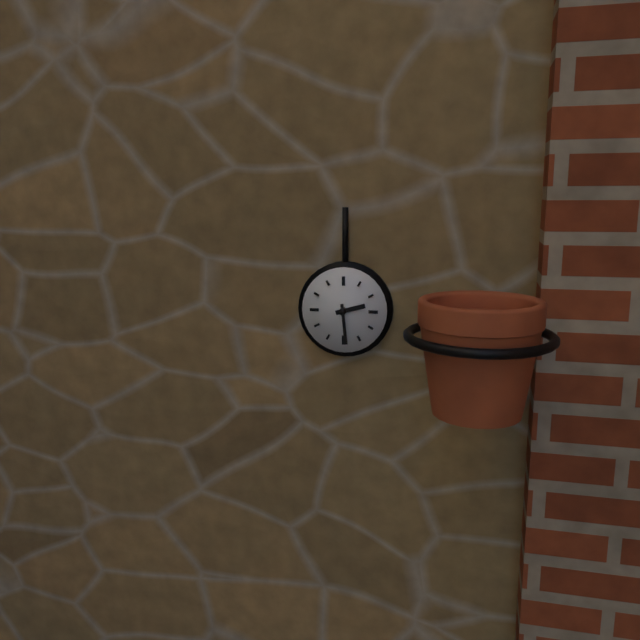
2 h 29 min
